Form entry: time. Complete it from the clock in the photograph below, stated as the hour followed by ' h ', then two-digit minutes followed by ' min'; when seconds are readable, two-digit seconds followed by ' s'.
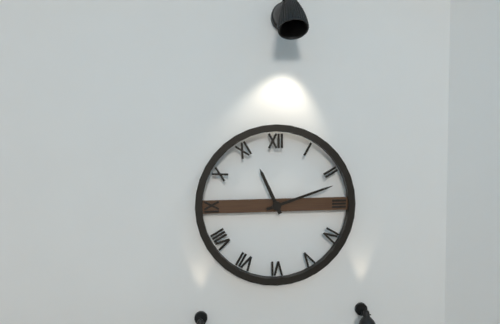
11 h 12 min
